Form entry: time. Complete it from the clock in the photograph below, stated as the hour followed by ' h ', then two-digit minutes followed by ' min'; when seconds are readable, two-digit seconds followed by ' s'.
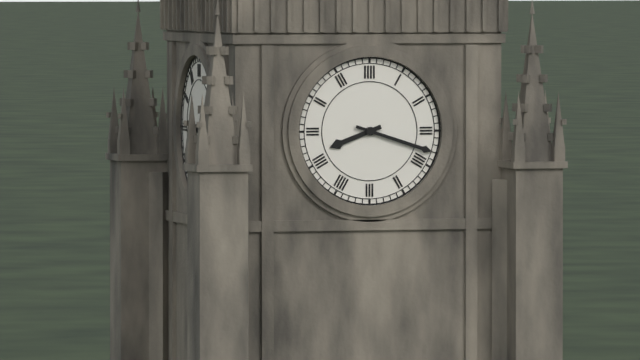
8 h 18 min
